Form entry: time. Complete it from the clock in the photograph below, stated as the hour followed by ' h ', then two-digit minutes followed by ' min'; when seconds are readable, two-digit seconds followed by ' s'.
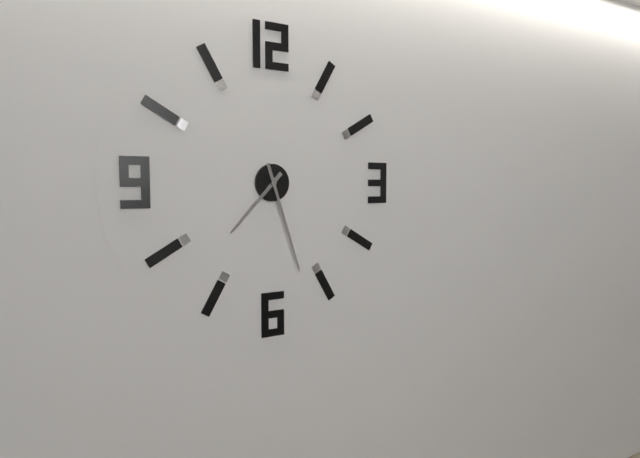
7 h 27 min
